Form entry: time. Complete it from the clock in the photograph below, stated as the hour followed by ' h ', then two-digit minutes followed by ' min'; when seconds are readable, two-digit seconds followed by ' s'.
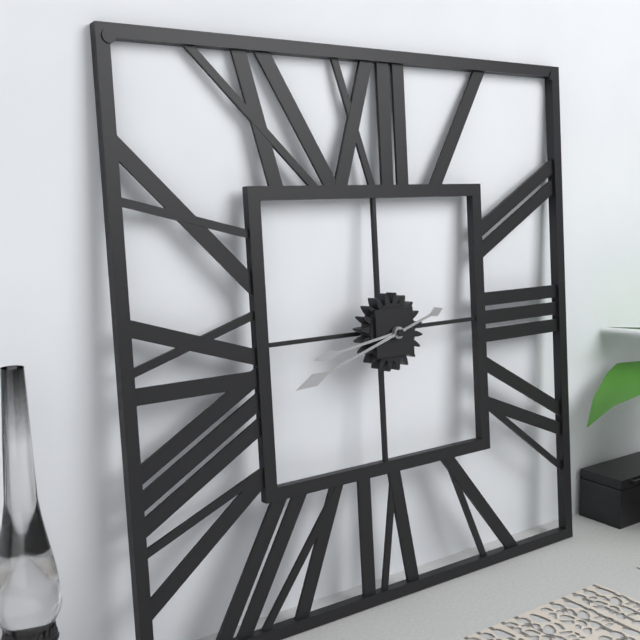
8 h 42 min
